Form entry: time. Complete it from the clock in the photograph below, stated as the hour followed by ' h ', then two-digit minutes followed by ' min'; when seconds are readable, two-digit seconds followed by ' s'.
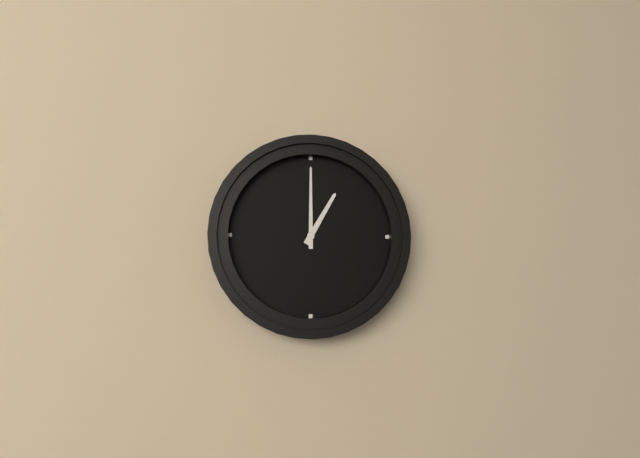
1 h 00 min
